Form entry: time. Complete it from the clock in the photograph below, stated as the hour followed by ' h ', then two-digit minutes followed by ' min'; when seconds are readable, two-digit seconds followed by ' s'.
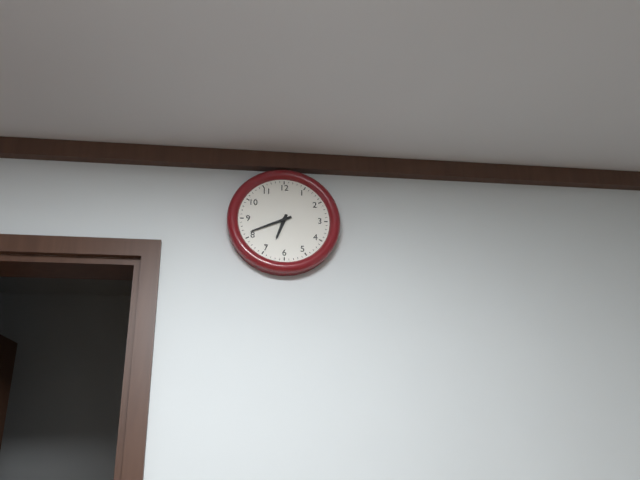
6 h 41 min
